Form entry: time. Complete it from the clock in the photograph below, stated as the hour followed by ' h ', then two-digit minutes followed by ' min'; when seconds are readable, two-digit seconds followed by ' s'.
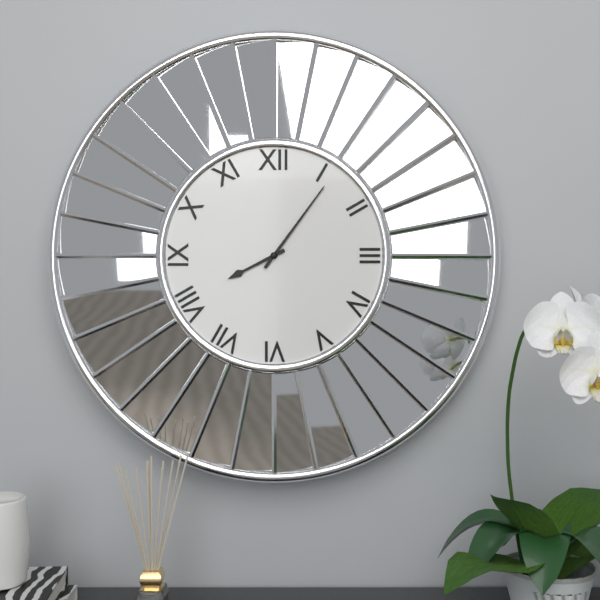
8 h 06 min
